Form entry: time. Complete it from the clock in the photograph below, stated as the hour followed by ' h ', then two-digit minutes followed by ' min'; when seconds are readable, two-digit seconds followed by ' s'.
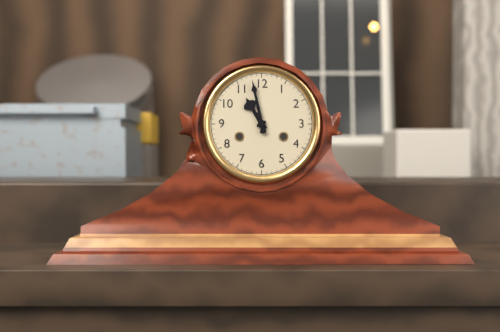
10 h 58 min
